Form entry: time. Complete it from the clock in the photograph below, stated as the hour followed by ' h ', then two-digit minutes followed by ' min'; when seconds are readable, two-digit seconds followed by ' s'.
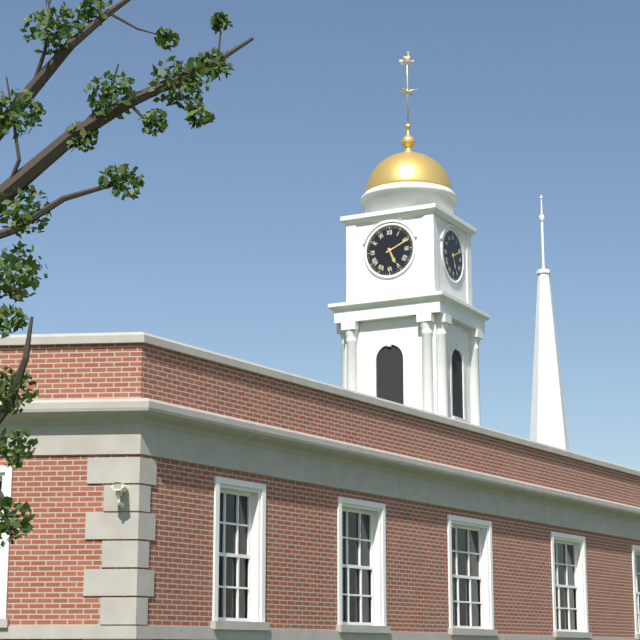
5 h 11 min
